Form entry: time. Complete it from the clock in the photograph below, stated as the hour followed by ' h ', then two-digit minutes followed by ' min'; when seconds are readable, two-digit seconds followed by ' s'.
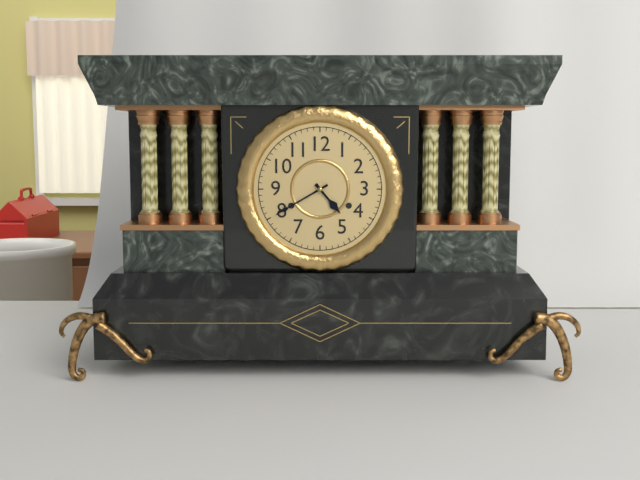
4 h 40 min
